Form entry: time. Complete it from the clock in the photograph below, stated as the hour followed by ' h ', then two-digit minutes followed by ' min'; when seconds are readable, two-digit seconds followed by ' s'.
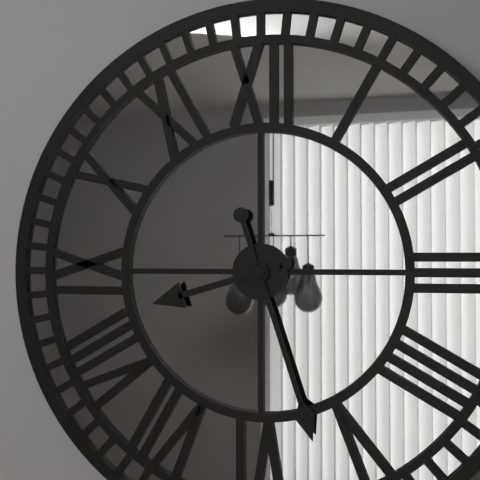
8 h 27 min
